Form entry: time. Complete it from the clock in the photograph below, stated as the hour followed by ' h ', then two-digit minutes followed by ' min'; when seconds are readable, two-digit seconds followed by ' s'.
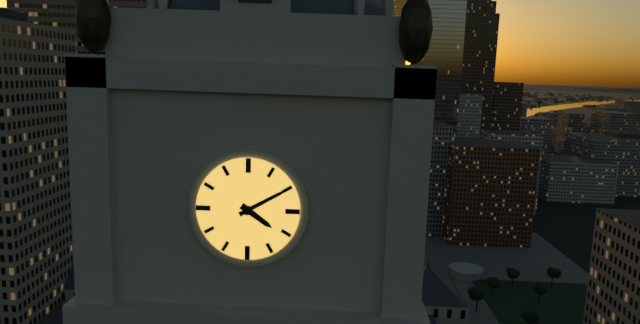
4 h 10 min
